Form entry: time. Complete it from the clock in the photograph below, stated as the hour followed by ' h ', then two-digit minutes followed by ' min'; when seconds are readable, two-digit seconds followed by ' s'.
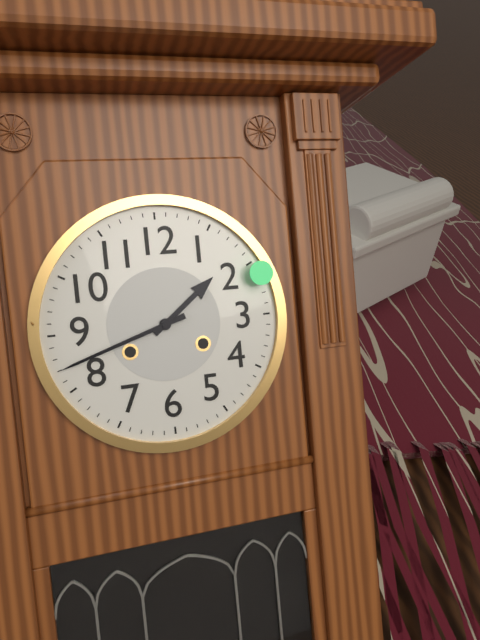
1 h 42 min
